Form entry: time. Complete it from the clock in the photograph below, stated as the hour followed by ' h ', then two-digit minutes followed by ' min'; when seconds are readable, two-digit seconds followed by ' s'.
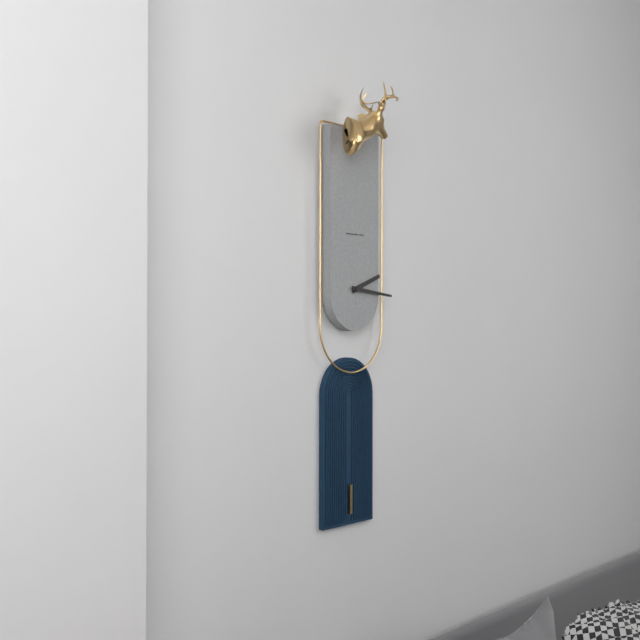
2 h 16 min
